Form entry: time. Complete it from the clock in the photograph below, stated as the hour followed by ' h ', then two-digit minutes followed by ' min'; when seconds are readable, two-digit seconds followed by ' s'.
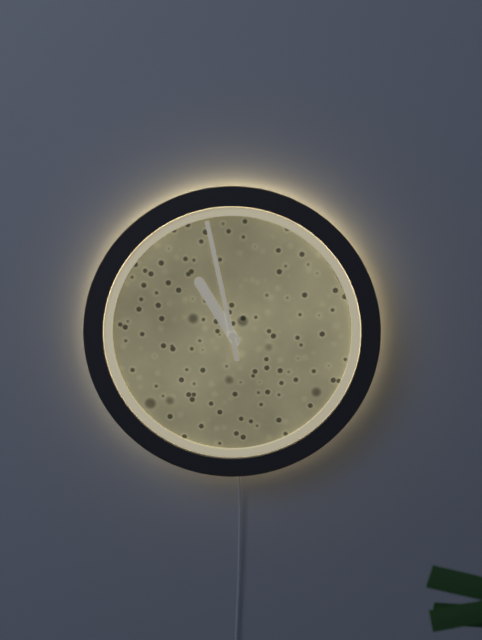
10 h 58 min
